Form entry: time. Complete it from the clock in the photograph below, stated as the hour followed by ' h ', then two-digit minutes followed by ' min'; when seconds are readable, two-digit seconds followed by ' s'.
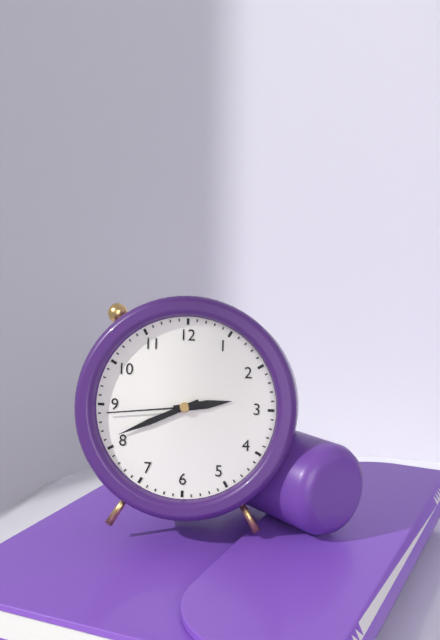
2 h 41 min 44 s
